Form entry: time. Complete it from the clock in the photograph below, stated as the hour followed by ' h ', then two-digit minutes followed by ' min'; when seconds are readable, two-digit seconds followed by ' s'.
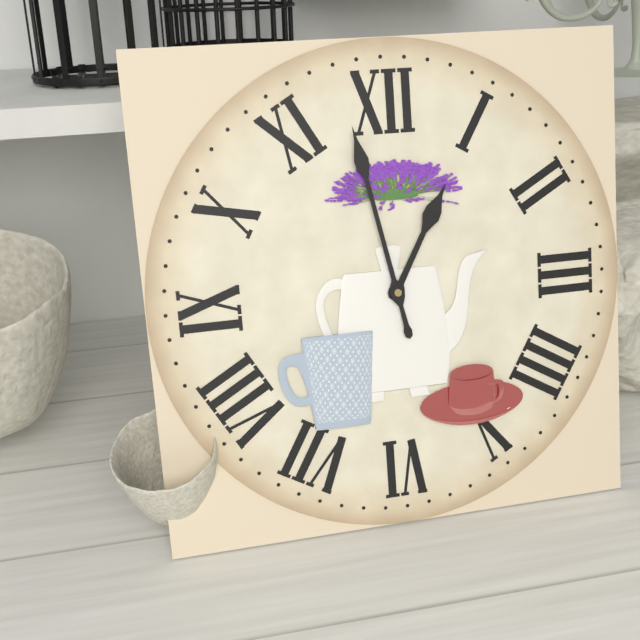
12 h 58 min
